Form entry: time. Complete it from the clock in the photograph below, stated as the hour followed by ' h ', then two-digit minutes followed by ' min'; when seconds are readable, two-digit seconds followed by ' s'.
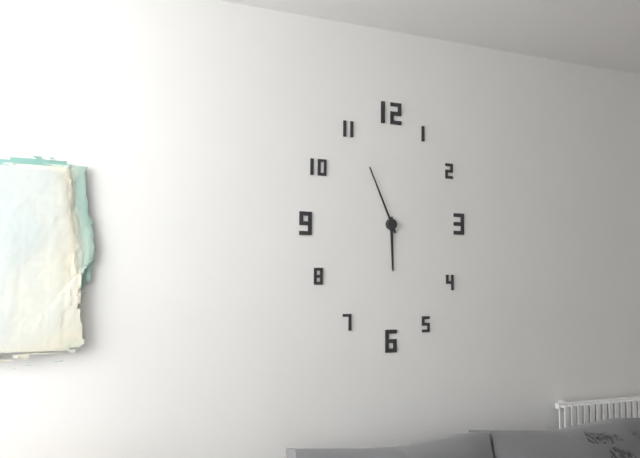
5 h 56 min
